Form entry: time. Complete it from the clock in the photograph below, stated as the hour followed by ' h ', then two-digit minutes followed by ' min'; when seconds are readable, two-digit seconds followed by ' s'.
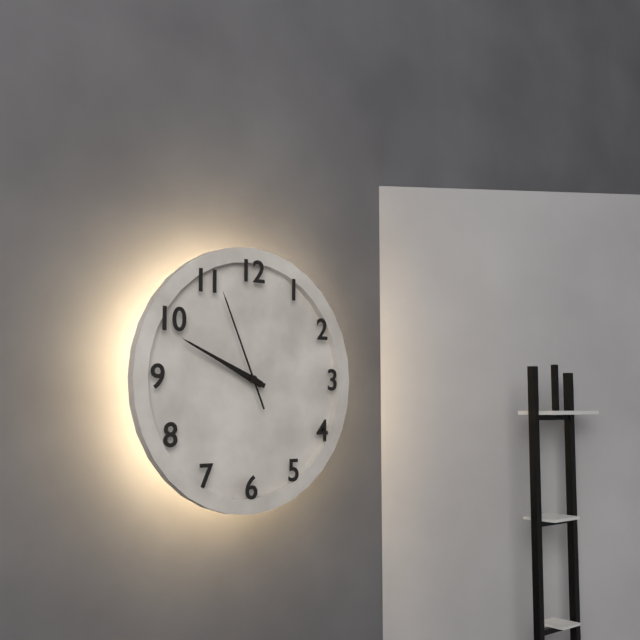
9 h 49 min 56 s
